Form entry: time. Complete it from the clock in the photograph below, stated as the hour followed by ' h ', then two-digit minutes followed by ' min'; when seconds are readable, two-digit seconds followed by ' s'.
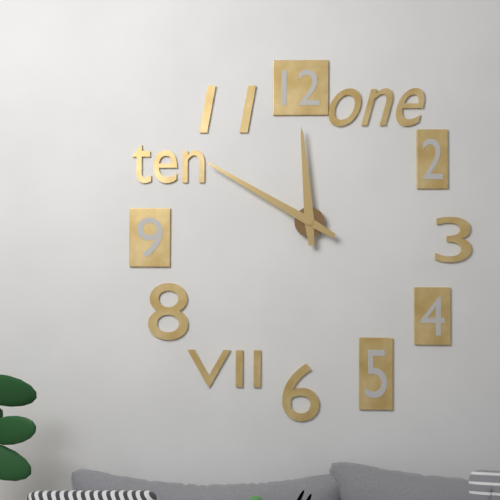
11 h 50 min
